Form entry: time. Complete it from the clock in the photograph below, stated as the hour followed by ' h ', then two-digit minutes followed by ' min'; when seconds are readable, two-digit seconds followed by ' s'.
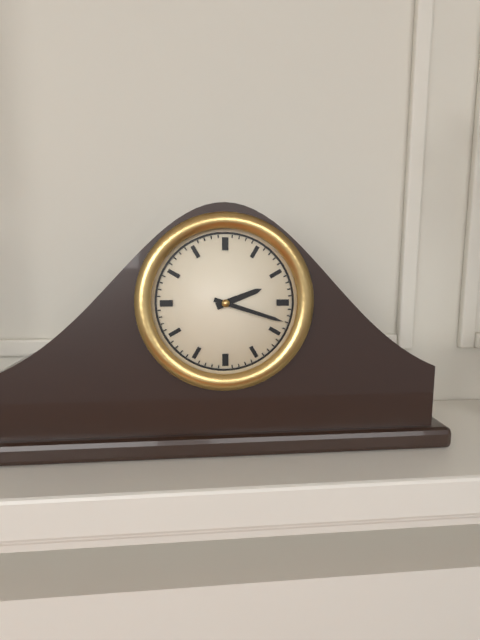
2 h 18 min
